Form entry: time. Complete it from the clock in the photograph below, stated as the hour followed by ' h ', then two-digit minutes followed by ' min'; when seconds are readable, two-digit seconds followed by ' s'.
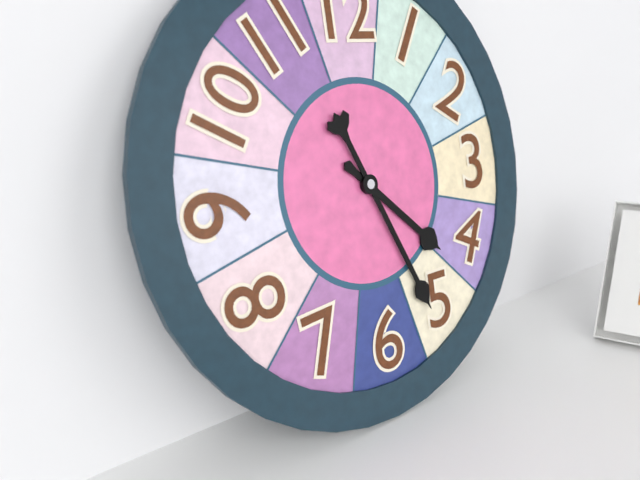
4 h 26 min
